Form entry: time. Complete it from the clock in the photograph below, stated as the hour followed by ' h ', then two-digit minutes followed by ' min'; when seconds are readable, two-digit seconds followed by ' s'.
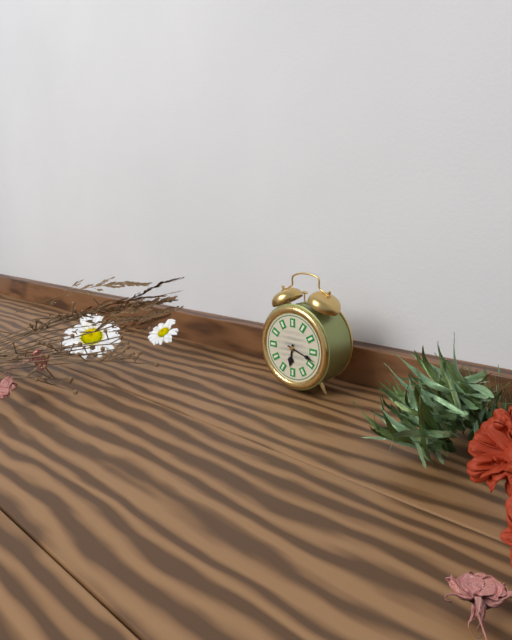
6 h 18 min
